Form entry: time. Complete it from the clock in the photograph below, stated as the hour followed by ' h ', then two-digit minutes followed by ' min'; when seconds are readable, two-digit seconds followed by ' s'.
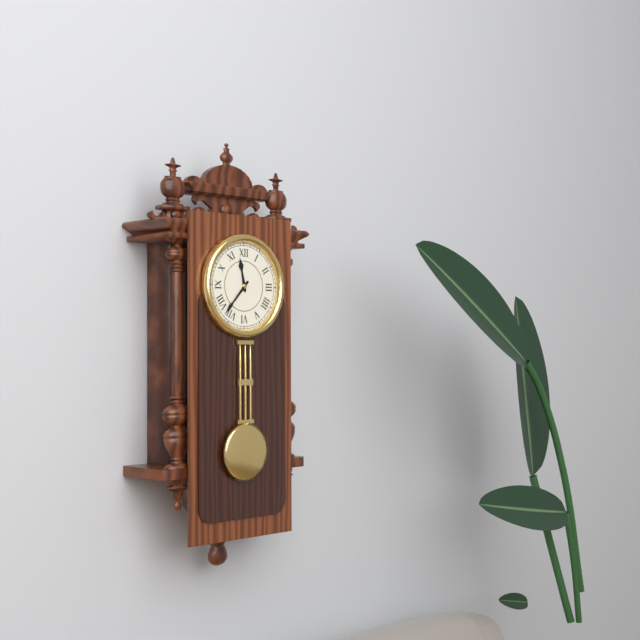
11 h 37 min
